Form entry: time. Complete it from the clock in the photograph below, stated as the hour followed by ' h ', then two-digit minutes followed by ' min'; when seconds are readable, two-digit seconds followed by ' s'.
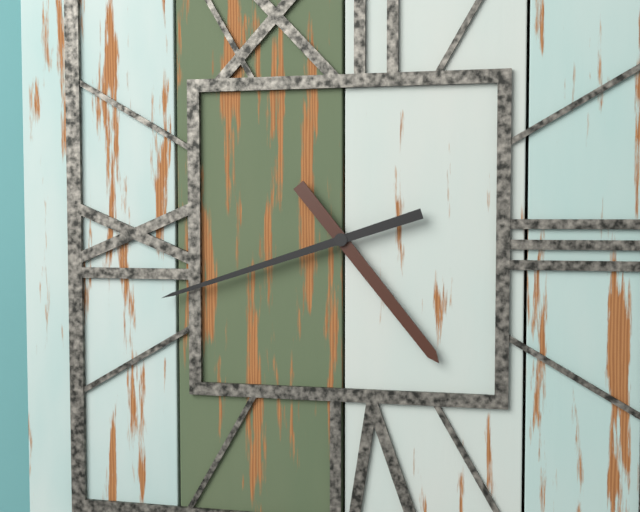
4 h 42 min
